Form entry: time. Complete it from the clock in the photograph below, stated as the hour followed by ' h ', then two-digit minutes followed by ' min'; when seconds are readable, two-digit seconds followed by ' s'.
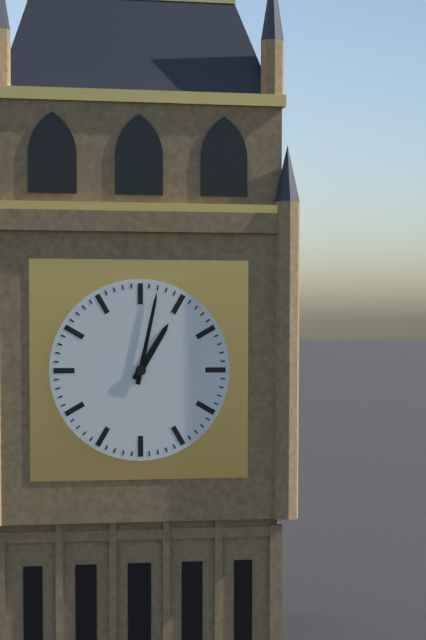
1 h 02 min
